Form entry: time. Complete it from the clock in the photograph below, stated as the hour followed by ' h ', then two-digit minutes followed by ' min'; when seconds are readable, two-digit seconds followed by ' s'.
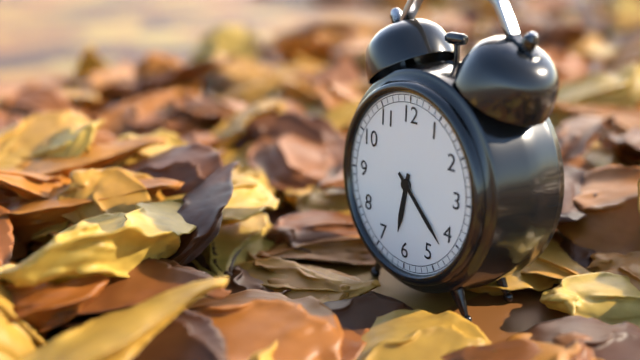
6 h 22 min
